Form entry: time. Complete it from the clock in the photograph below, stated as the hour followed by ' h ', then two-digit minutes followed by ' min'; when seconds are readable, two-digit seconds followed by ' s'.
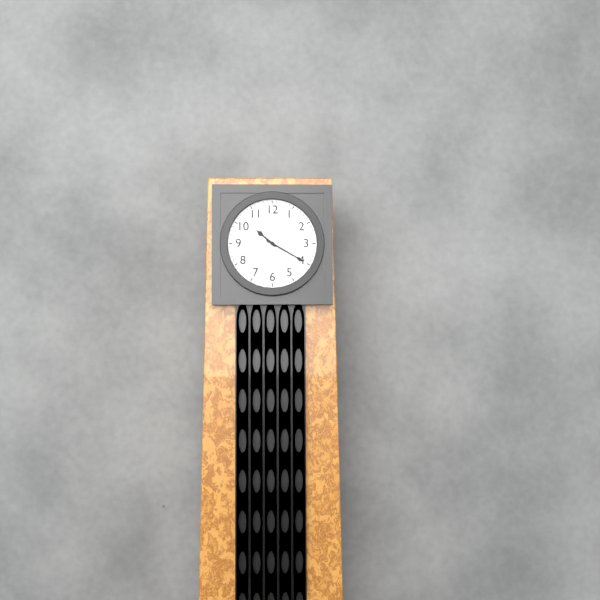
10 h 20 min
